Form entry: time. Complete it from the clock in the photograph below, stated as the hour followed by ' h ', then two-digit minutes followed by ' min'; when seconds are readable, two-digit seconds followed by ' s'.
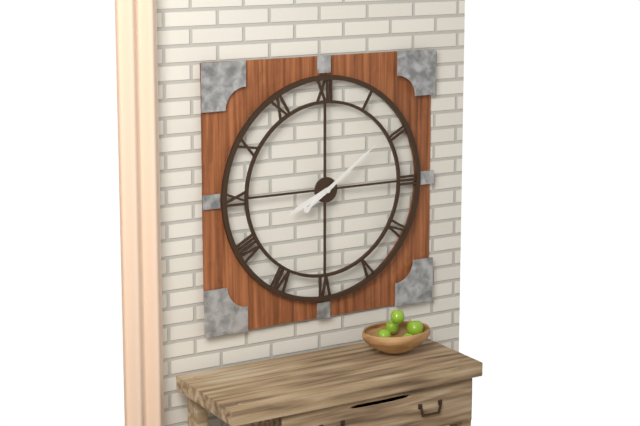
8 h 09 min
